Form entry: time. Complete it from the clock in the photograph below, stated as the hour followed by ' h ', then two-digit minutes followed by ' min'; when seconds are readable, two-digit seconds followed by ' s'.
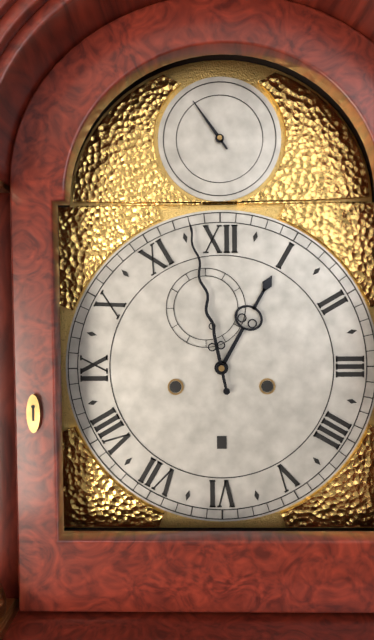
12 h 58 min
